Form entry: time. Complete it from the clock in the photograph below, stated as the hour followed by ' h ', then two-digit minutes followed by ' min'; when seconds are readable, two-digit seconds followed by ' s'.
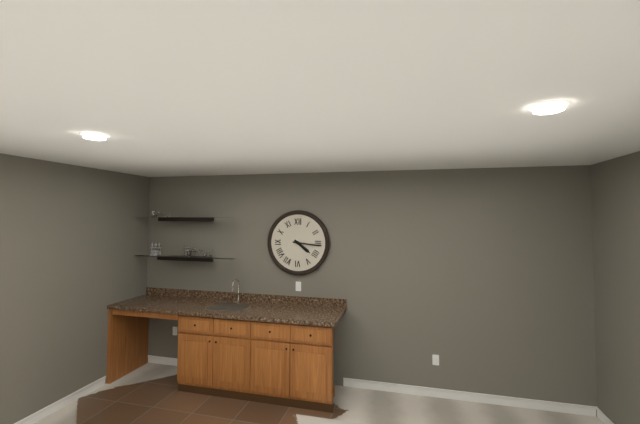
4 h 16 min
